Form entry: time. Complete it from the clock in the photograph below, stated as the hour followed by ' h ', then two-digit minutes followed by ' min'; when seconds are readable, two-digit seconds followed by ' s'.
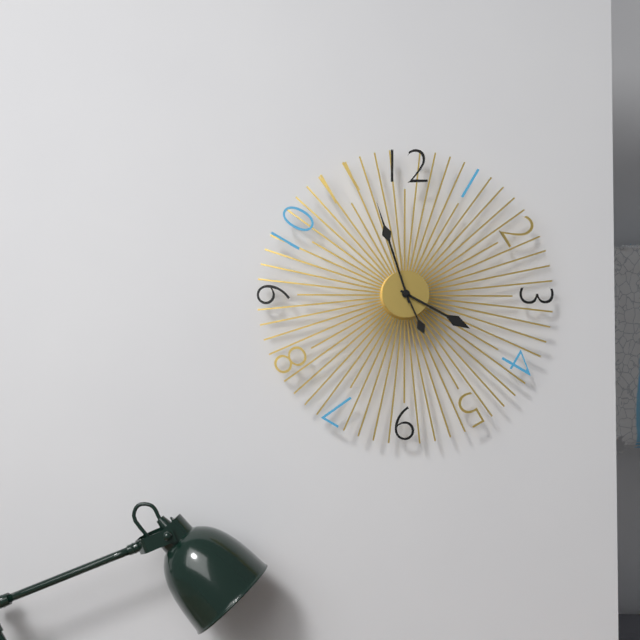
3 h 57 min 26 s
